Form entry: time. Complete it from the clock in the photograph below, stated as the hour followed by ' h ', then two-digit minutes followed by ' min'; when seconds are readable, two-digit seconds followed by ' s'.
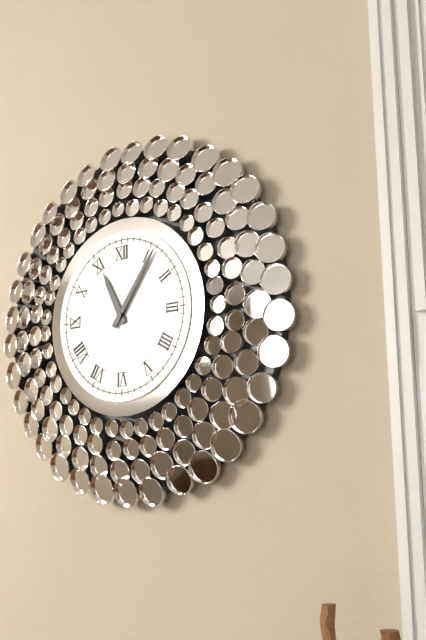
11 h 06 min
